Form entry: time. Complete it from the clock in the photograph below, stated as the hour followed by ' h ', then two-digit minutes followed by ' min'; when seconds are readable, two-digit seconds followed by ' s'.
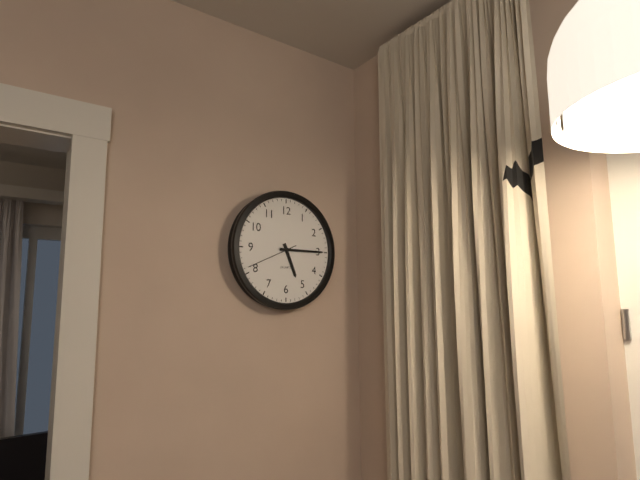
5 h 15 min 41 s
